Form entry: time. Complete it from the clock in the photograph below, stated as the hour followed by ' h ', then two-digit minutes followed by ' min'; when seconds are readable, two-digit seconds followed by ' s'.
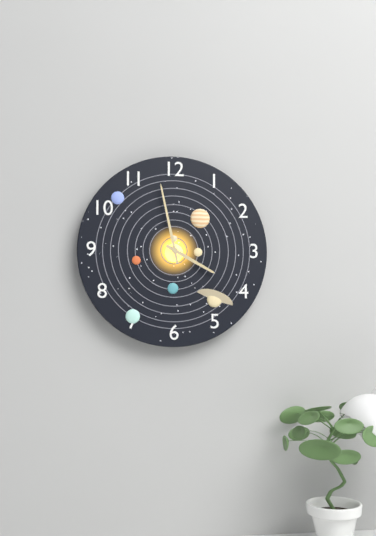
3 h 58 min
